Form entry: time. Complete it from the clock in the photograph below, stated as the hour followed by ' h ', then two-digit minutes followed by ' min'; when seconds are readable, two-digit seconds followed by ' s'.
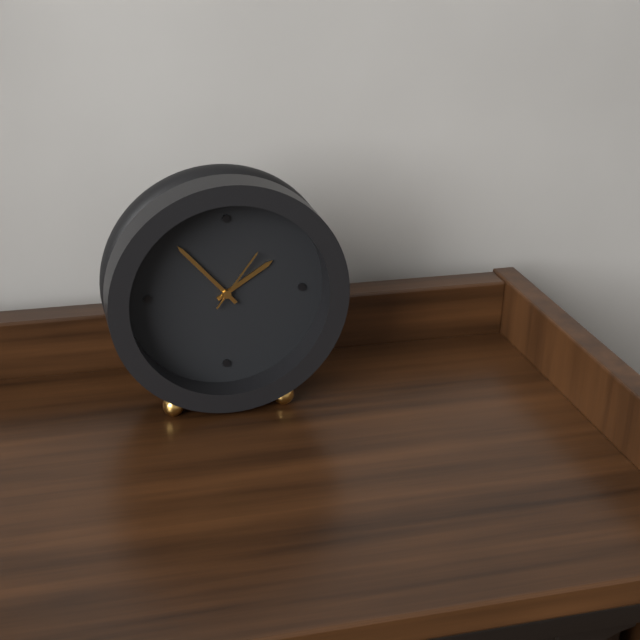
1 h 53 min 06 s
